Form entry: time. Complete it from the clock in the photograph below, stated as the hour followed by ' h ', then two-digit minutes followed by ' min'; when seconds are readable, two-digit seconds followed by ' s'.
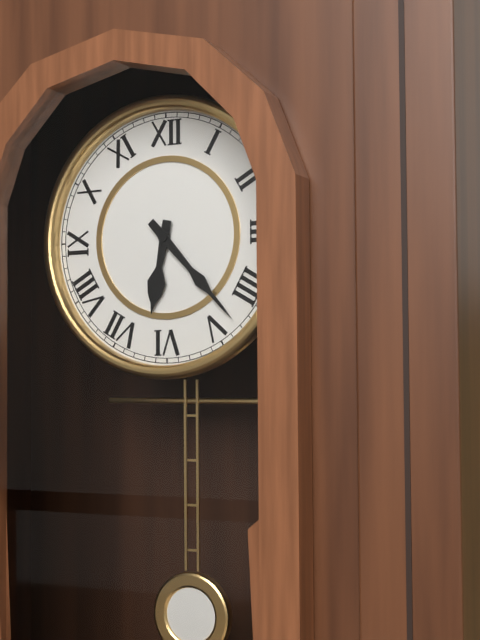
6 h 23 min
